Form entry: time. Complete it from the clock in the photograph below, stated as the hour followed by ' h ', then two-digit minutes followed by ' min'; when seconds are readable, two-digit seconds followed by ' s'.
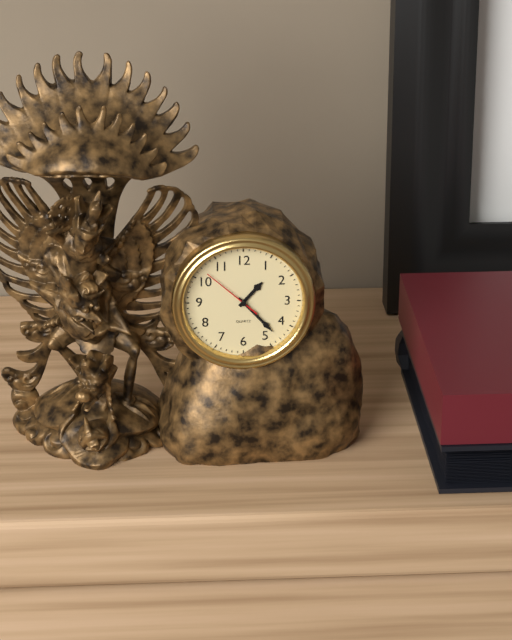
1 h 23 min 52 s
